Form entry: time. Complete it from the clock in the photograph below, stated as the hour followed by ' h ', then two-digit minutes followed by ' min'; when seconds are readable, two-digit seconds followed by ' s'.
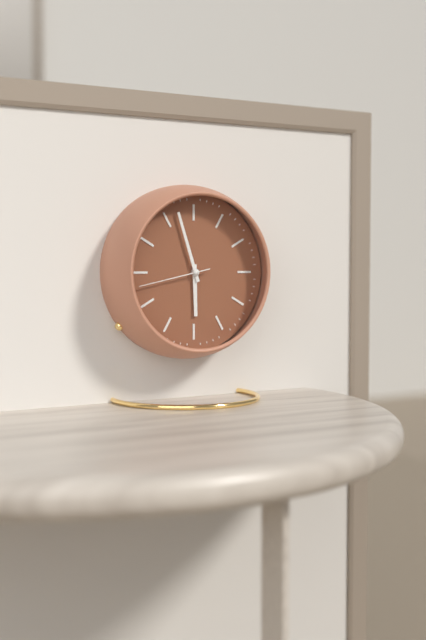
5 h 57 min 43 s
